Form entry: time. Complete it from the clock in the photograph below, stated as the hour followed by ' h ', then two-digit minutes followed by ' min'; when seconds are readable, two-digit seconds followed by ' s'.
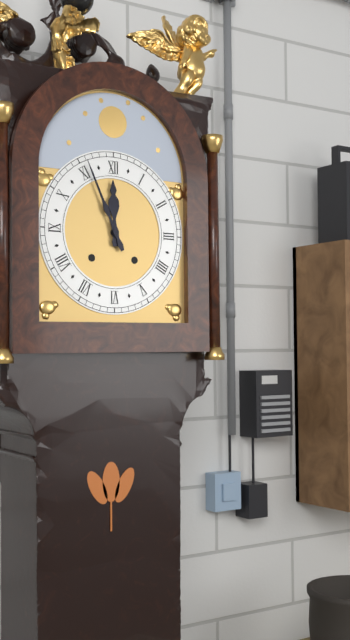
11 h 56 min
